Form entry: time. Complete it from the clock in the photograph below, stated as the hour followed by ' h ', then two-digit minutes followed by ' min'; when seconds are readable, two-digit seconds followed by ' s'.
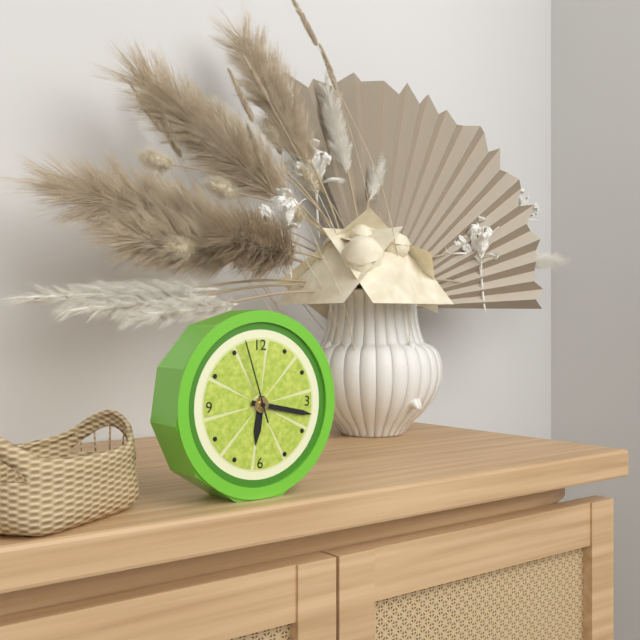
6 h 17 min 57 s
